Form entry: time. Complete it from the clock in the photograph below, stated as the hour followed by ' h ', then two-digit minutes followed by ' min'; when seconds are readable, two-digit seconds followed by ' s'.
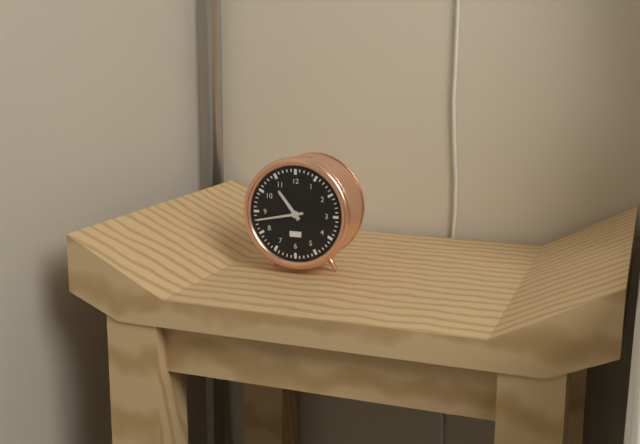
10 h 43 min
